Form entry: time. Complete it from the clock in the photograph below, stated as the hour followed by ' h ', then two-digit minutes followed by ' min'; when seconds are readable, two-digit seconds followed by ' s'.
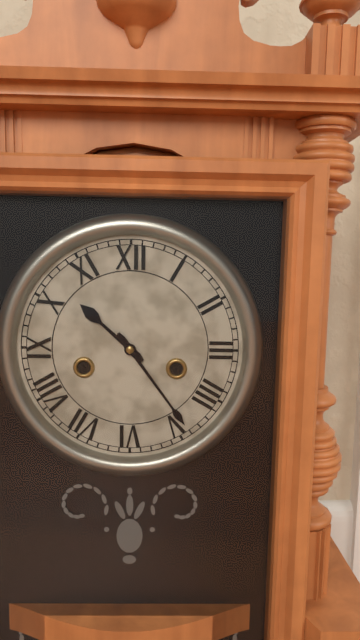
10 h 24 min
